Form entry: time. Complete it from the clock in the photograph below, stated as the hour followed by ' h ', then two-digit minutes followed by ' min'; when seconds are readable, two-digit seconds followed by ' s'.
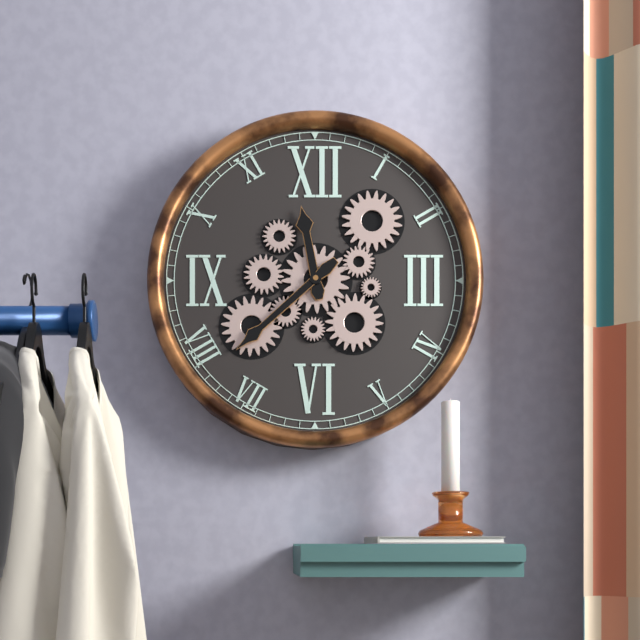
11 h 38 min
